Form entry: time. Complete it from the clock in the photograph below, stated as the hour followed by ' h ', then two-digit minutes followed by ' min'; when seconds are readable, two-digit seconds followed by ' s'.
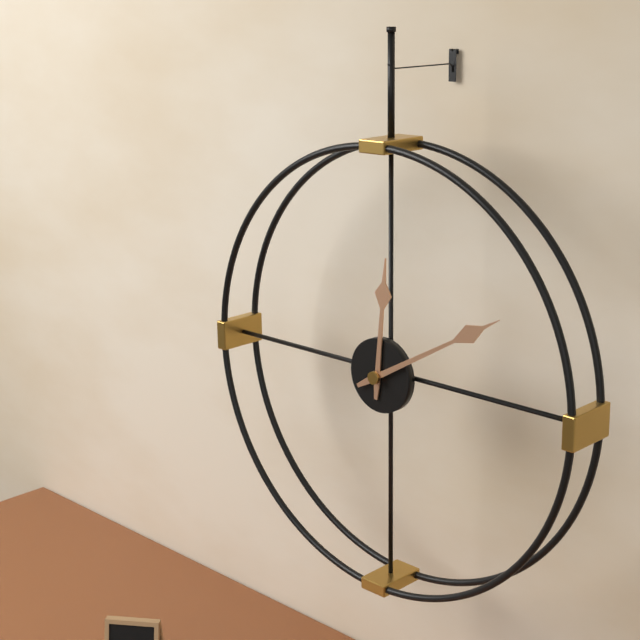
12 h 10 min
